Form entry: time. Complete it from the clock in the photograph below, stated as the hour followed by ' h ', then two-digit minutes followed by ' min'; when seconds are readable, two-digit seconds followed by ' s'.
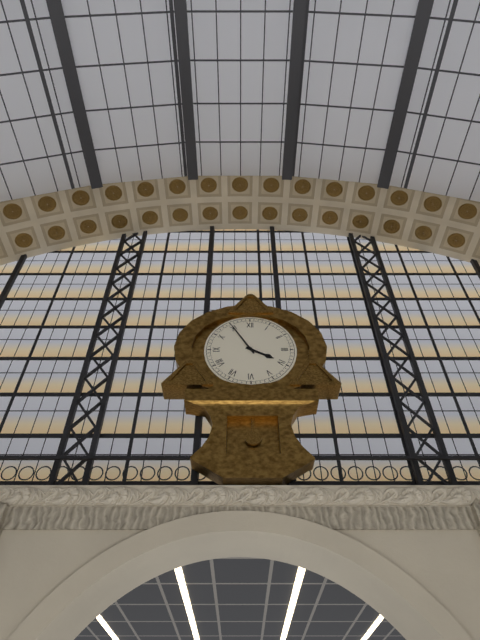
3 h 55 min
